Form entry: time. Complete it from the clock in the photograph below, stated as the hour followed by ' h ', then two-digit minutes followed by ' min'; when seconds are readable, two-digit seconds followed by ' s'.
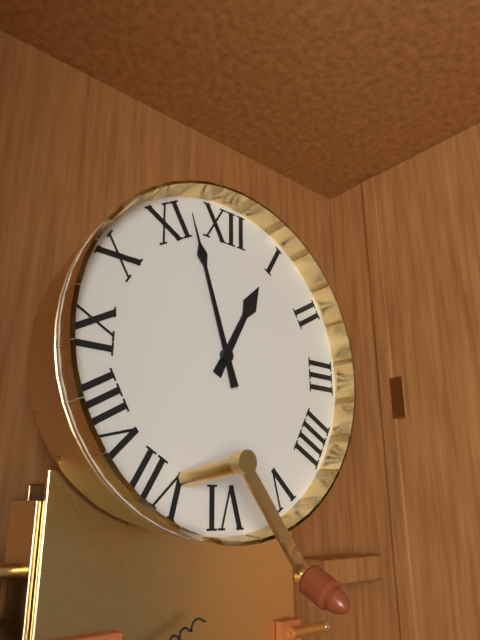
12 h 57 min
